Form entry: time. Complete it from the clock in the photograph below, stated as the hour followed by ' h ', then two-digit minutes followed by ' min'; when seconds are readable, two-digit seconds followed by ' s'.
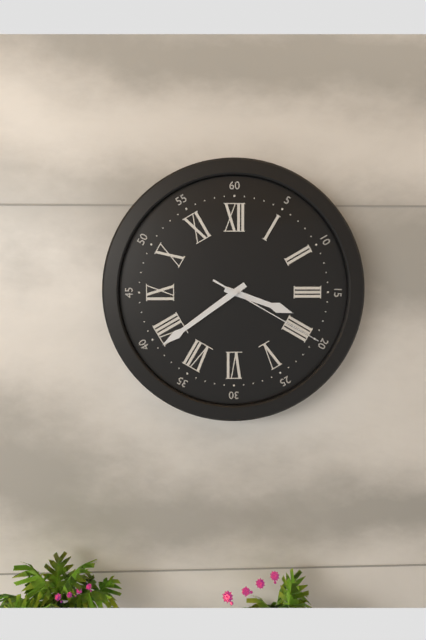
3 h 39 min 20 s
